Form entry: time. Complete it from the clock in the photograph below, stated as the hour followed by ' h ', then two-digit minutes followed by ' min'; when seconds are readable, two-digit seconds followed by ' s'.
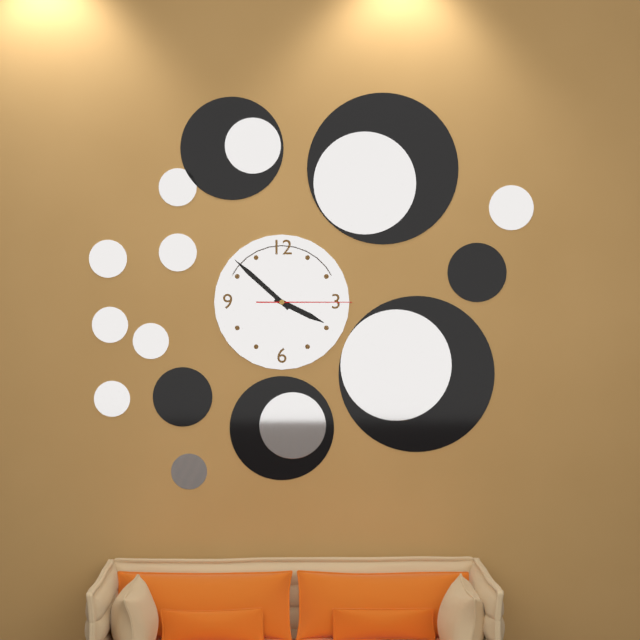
3 h 52 min 15 s
